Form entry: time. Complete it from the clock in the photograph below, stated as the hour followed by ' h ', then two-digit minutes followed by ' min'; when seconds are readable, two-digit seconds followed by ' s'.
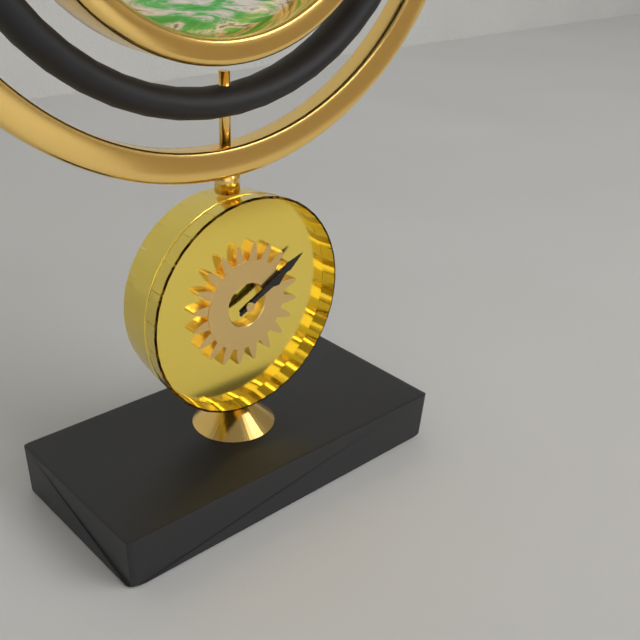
2 h 10 min
